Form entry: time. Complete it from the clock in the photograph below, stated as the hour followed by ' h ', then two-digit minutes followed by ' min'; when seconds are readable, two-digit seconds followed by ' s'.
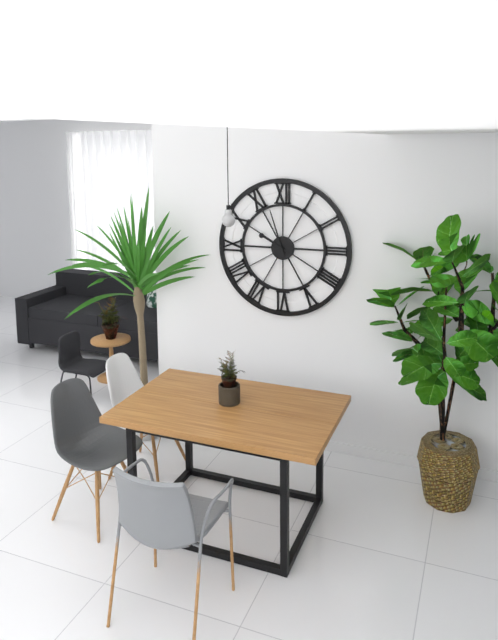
9 h 57 min
